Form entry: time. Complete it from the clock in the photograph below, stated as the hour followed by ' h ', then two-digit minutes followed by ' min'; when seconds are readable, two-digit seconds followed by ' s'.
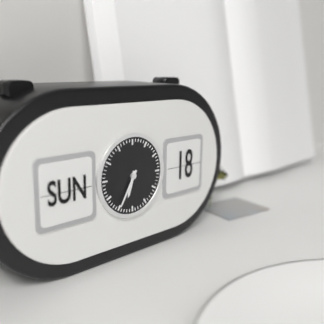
6 h 35 min
